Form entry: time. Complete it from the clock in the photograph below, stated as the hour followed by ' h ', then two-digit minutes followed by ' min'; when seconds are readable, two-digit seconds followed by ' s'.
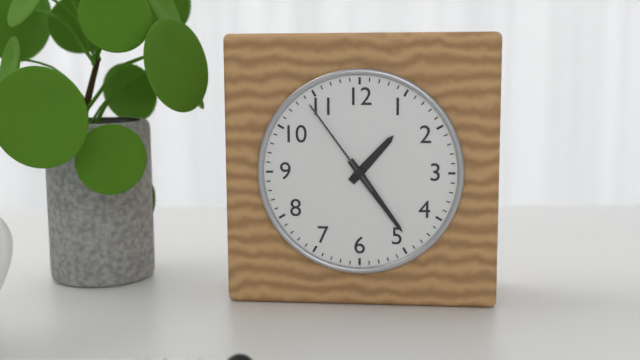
1 h 24 min 54 s
